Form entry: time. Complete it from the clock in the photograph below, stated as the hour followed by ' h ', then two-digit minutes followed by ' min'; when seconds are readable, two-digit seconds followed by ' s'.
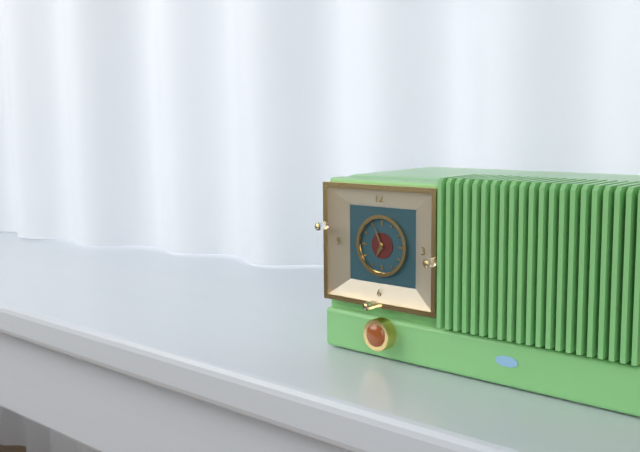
6 h 56 min
